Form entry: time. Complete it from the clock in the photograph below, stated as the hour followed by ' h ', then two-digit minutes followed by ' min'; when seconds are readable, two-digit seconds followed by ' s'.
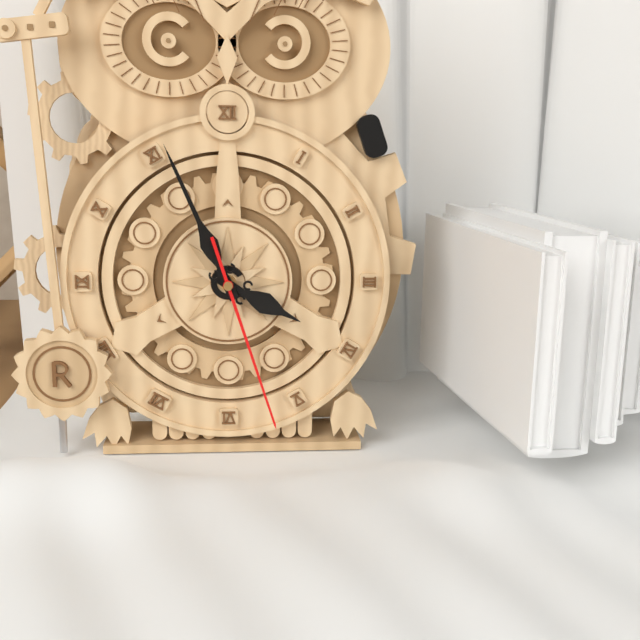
3 h 56 min 27 s
